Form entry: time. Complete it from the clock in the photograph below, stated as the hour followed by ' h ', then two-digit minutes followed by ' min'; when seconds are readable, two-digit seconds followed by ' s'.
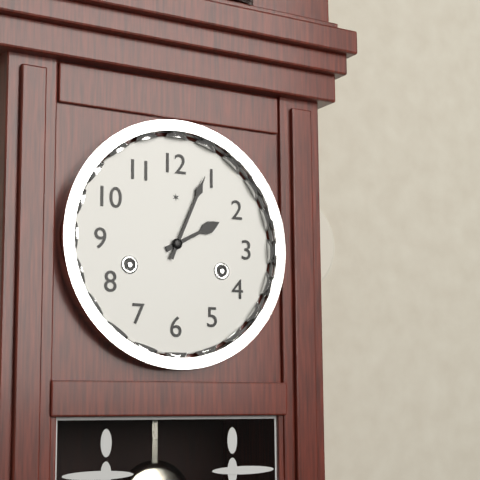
2 h 04 min
